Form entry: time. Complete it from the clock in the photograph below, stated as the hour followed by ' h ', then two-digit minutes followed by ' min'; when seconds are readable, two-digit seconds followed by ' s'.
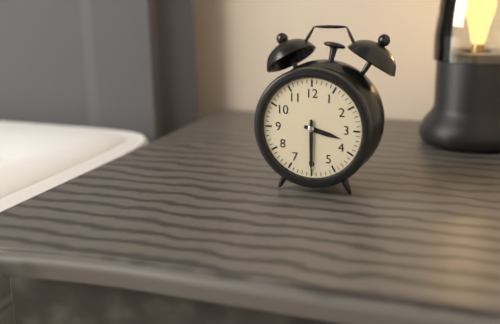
3 h 30 min
